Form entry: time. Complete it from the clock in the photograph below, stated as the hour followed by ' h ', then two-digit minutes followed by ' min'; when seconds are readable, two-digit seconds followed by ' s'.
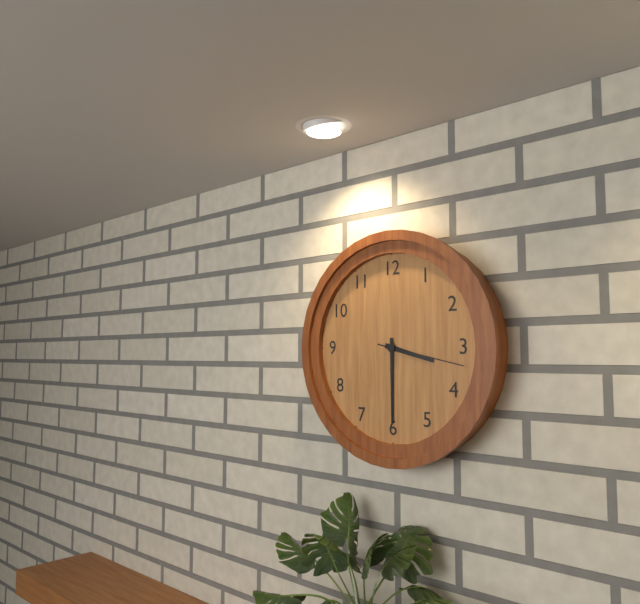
3 h 30 min 17 s
